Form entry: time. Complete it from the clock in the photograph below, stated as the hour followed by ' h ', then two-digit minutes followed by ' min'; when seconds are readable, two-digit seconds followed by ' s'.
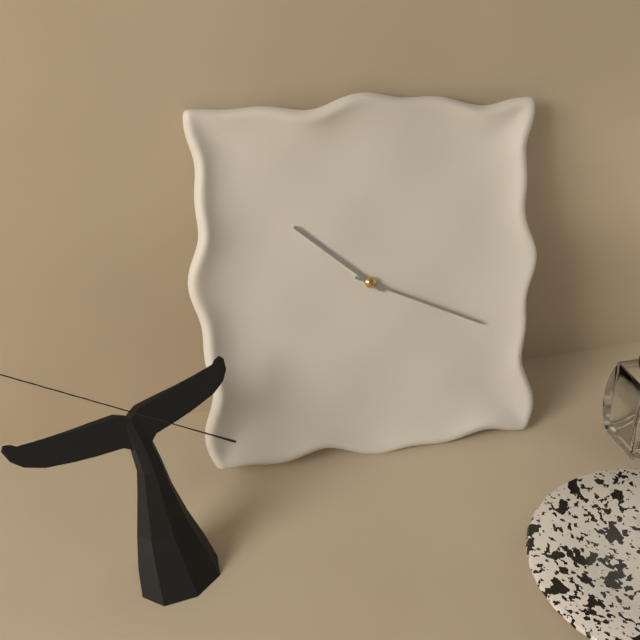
10 h 19 min
